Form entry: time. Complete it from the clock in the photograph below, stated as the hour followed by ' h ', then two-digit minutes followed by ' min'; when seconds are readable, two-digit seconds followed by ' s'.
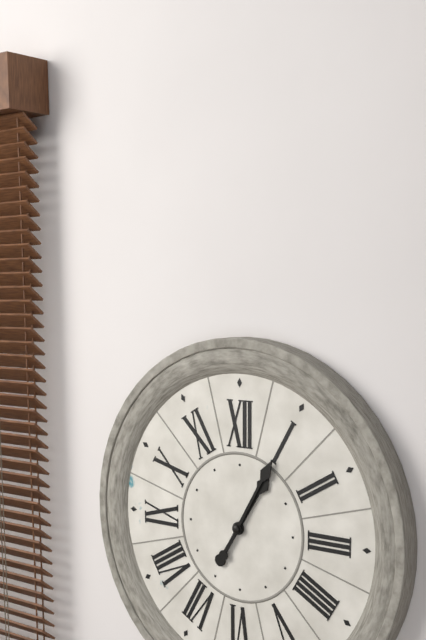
1 h 05 min
